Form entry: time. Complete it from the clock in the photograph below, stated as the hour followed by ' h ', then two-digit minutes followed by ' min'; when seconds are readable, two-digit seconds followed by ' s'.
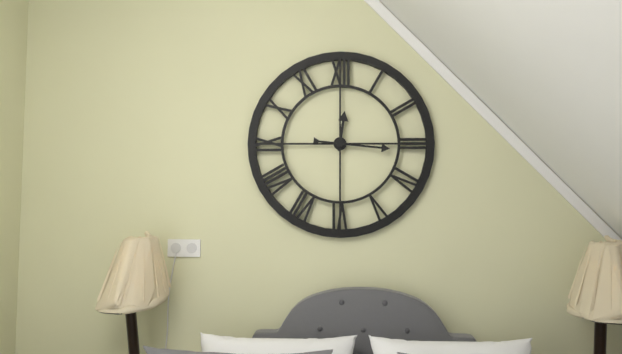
12 h 16 min
